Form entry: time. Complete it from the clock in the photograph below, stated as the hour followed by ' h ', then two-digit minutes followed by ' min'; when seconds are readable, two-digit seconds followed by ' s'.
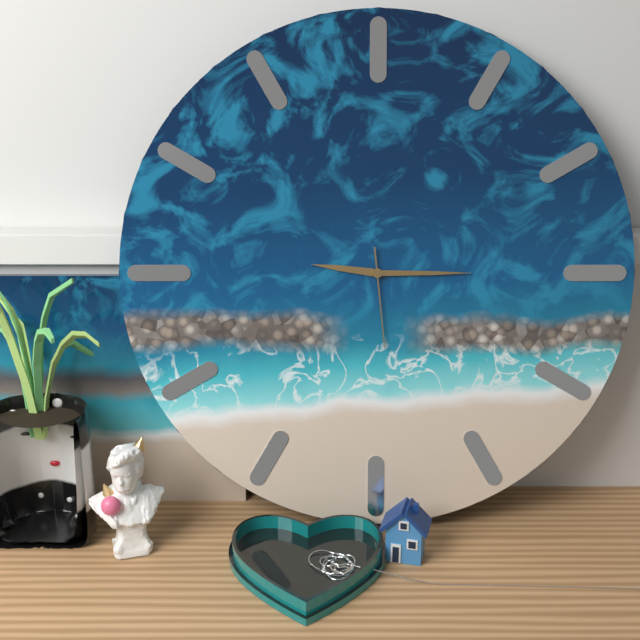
9 h 15 min 29 s
